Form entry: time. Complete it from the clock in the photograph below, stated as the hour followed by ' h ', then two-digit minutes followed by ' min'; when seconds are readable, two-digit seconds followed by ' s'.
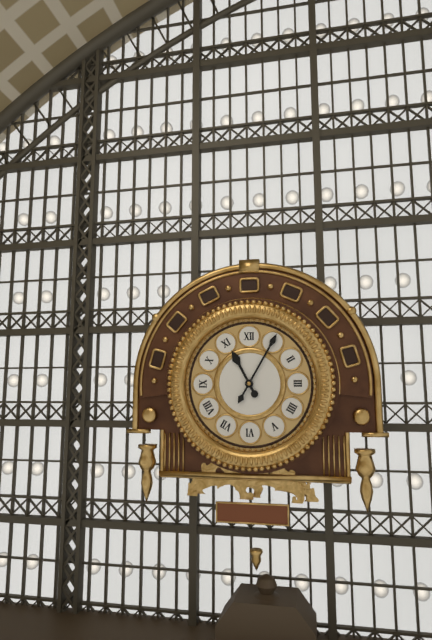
11 h 05 min
